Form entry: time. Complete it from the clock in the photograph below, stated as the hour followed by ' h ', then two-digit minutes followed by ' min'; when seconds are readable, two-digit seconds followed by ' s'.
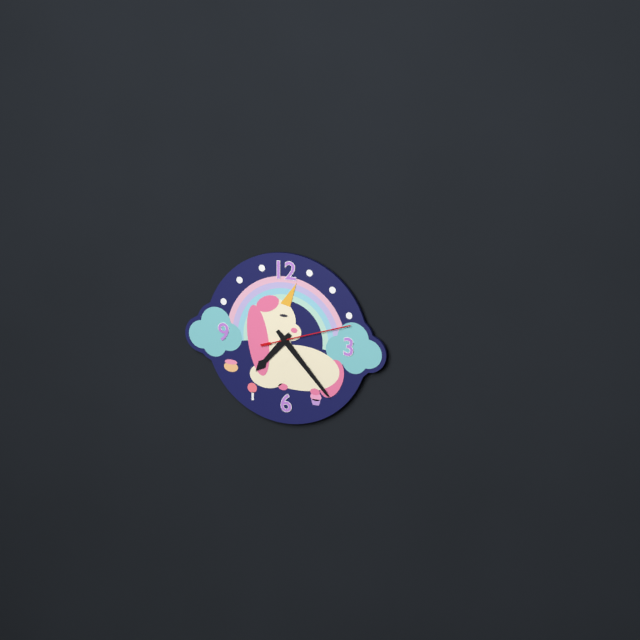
7 h 23 min 12 s
